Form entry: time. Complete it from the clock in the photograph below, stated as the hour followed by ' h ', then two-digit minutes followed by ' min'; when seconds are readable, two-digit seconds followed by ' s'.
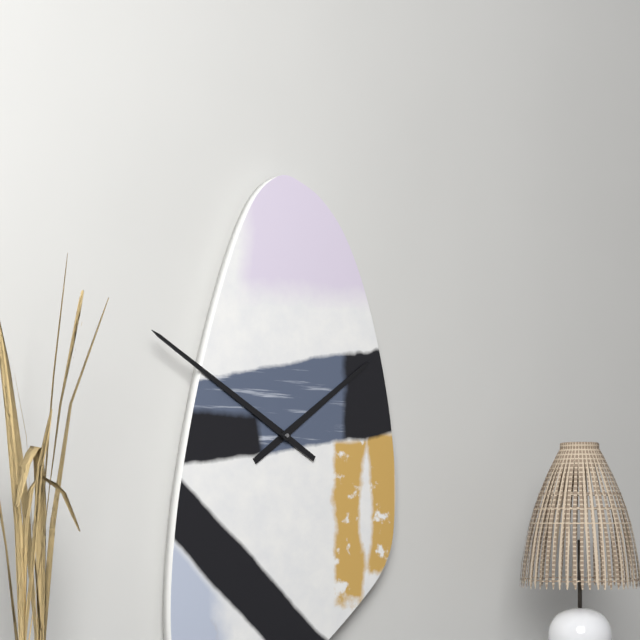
1 h 50 min
